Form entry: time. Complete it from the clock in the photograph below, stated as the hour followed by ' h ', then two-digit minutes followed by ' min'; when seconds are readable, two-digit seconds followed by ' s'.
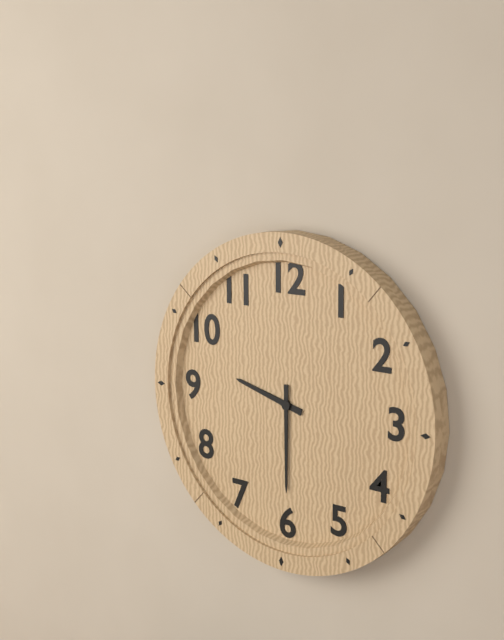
9 h 30 min
